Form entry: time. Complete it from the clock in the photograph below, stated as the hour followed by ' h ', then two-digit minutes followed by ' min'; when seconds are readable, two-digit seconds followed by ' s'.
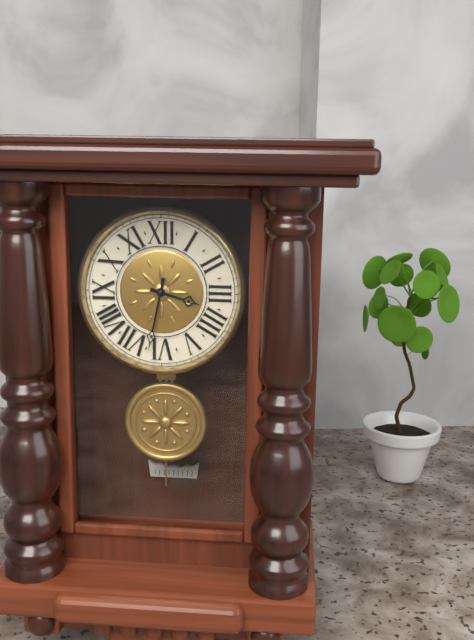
3 h 32 min
